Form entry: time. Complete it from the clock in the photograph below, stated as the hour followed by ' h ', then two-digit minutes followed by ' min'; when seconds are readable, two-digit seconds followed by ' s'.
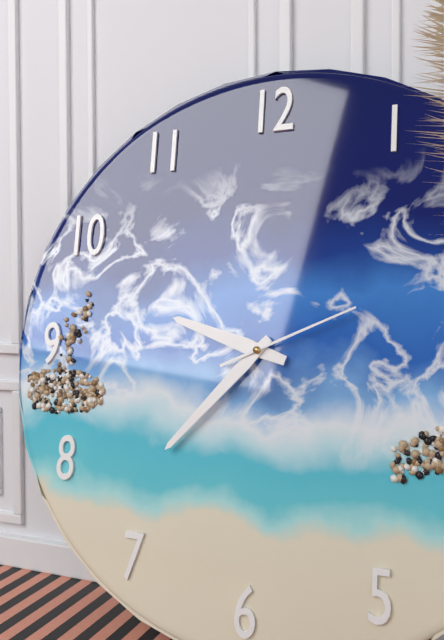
9 h 37 min 11 s
